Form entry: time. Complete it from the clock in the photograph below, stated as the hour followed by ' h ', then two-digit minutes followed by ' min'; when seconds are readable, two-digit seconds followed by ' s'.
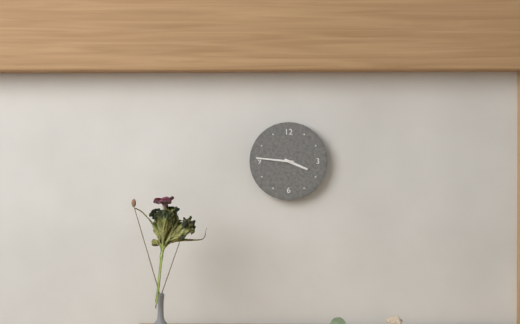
3 h 46 min
